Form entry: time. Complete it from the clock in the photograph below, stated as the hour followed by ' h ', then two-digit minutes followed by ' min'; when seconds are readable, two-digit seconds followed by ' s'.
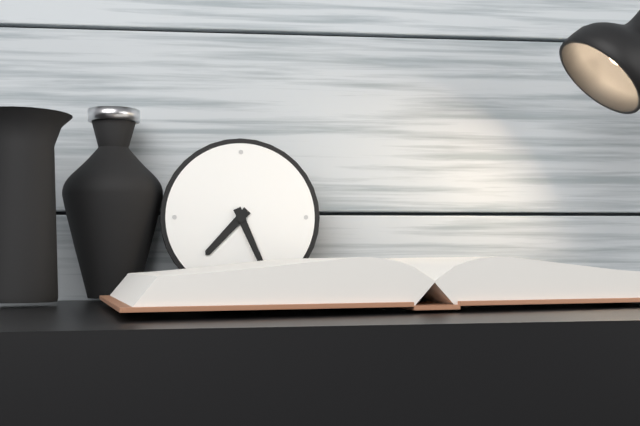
7 h 26 min
